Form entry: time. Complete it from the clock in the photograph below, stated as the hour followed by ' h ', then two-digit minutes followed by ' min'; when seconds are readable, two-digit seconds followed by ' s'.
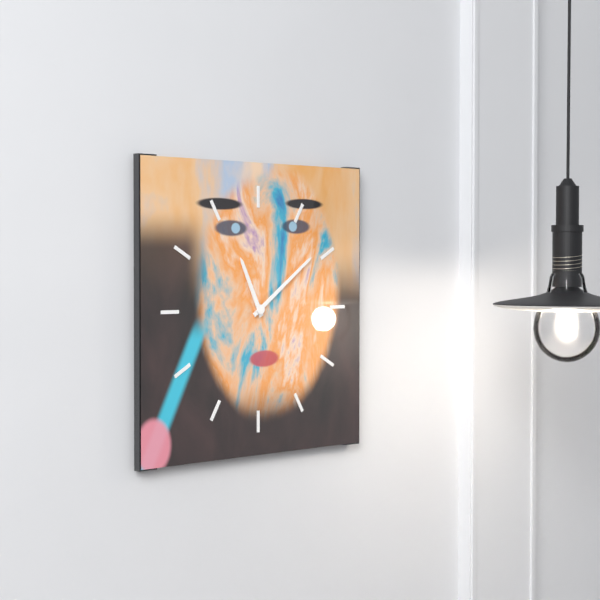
11 h 09 min
